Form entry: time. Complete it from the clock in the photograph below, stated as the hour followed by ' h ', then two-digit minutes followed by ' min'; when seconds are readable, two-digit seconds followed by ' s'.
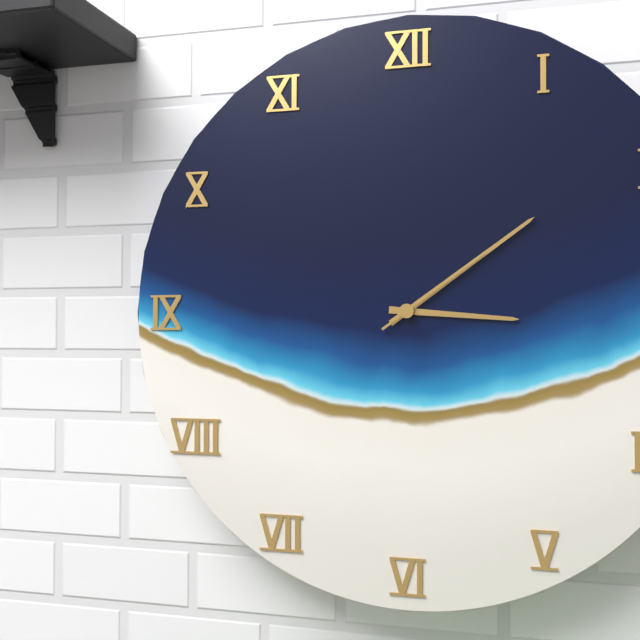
3 h 09 min 09 s
